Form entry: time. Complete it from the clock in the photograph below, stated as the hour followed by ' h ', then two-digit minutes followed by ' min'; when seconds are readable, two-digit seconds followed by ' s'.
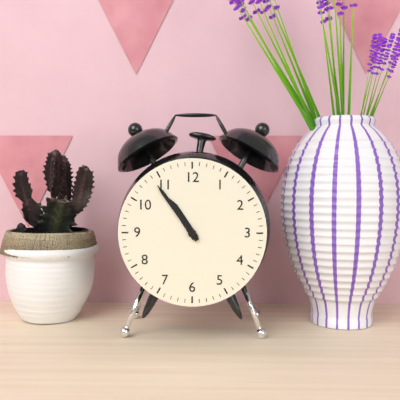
10 h 54 min
